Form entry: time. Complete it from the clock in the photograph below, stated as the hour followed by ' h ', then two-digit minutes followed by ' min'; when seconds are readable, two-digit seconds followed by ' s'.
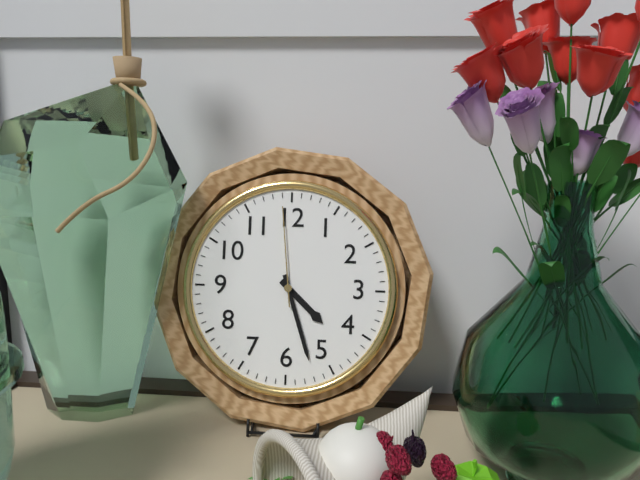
4 h 27 min 59 s
